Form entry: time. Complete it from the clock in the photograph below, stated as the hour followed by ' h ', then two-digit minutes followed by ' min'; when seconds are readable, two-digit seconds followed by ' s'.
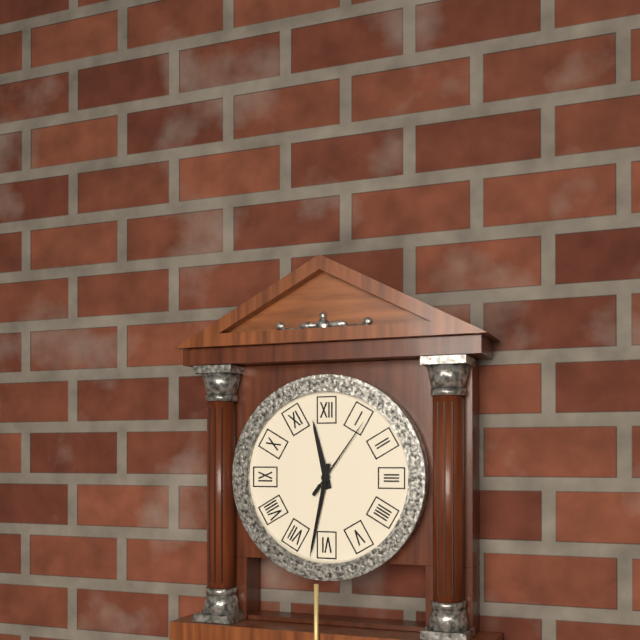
11 h 32 min 06 s
